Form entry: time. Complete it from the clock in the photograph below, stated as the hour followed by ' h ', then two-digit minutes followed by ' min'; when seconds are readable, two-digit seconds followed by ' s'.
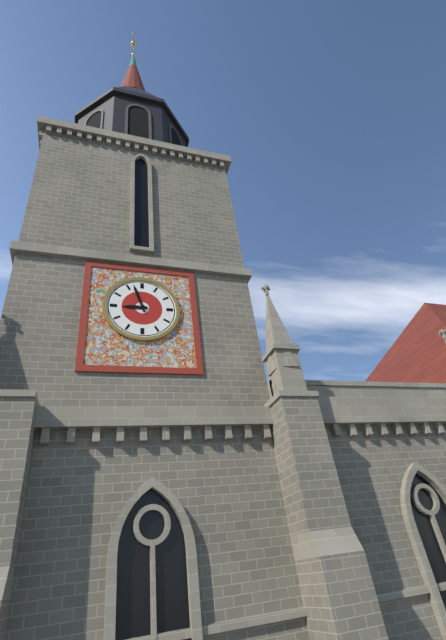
8 h 57 min
